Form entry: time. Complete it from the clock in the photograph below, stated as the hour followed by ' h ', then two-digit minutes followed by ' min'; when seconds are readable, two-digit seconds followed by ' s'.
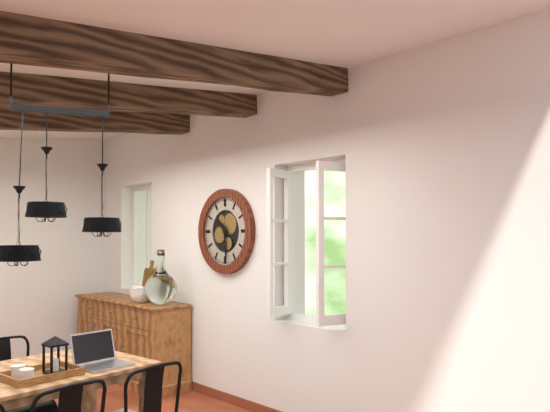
10 h 29 min
